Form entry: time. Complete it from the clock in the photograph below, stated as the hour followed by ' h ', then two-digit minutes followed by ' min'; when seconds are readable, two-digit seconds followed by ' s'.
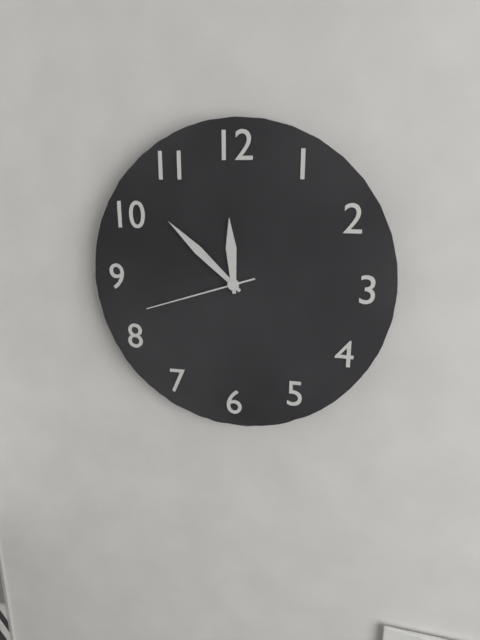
11 h 52 min 42 s
